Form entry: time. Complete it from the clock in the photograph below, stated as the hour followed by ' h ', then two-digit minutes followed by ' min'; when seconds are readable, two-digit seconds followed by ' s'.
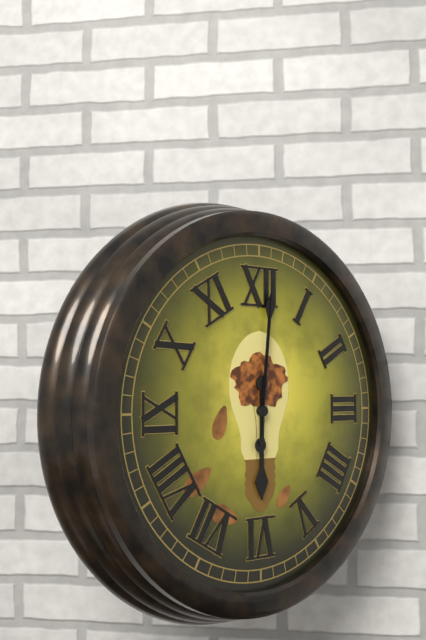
6 h 01 min 01 s
